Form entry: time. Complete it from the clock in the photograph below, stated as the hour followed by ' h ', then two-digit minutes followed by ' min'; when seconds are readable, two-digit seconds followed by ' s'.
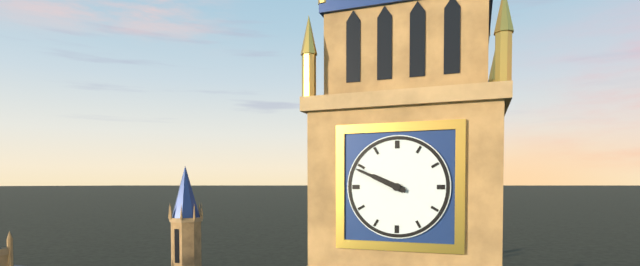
9 h 49 min
